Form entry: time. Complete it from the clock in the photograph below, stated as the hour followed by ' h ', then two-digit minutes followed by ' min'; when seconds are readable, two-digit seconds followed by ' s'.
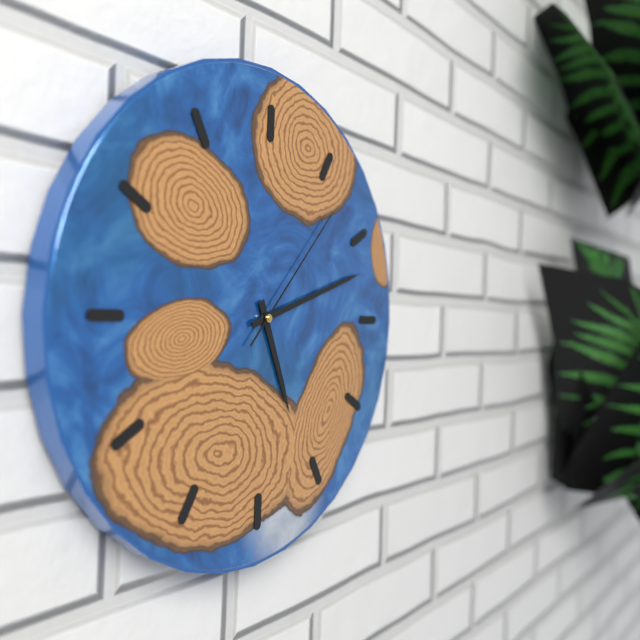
5 h 12 min 07 s
